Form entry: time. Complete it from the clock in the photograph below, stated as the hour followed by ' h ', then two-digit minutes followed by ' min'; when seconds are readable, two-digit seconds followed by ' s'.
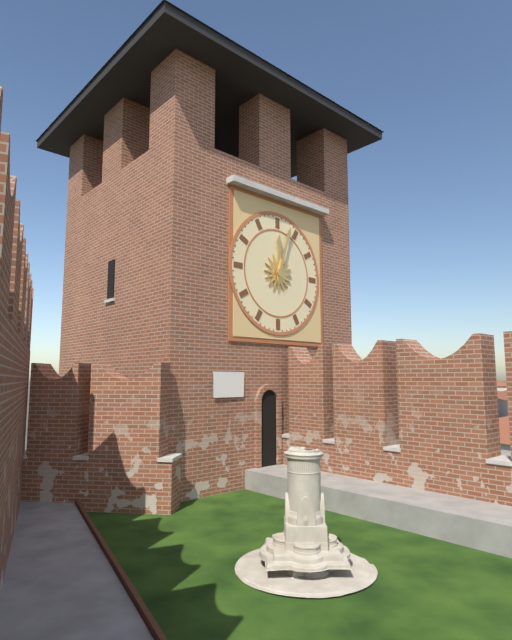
12 h 03 min
